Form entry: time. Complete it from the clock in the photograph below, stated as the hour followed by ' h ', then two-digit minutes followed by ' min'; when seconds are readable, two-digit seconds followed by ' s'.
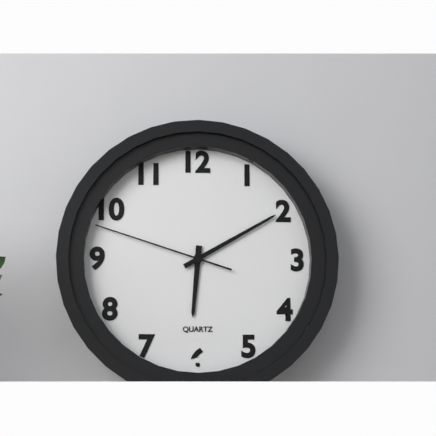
6 h 10 min 48 s
